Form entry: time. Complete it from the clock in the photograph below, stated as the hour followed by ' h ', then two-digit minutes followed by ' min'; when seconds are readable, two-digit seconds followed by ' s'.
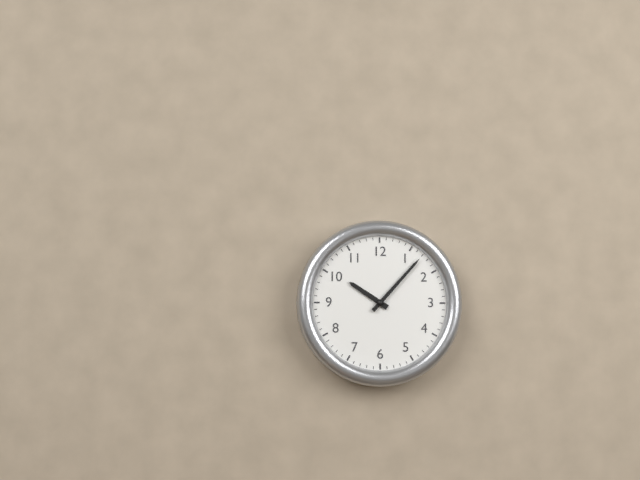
10 h 07 min
